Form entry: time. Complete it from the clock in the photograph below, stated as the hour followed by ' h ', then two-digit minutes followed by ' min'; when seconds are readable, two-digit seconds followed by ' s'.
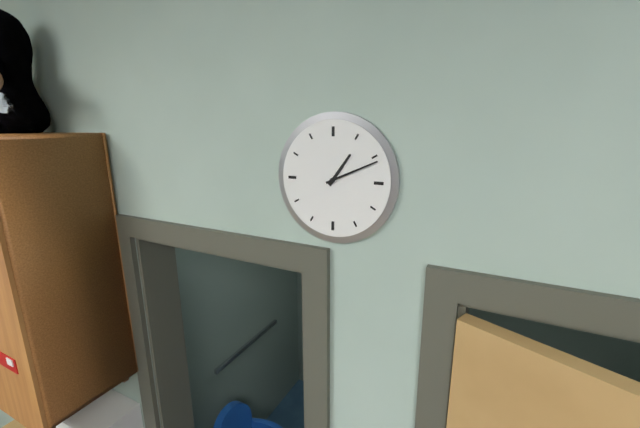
1 h 11 min
